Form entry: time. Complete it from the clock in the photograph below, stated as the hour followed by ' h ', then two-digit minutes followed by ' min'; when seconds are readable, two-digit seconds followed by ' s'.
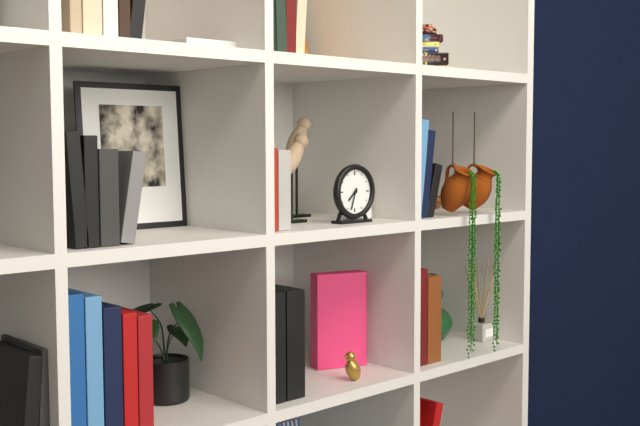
7 h 33 min
